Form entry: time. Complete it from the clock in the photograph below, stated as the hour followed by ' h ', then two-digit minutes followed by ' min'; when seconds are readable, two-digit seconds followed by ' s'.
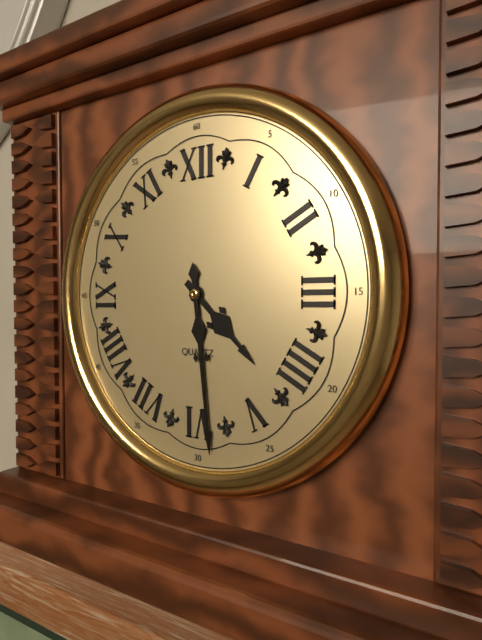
4 h 29 min
